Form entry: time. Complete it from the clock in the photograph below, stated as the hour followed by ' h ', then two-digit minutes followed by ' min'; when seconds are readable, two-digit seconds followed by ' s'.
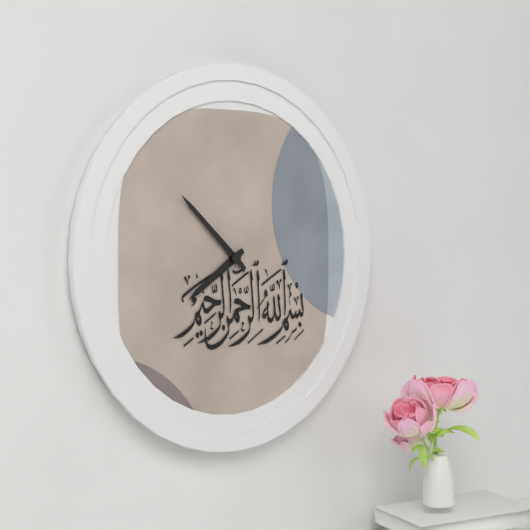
7 h 52 min
